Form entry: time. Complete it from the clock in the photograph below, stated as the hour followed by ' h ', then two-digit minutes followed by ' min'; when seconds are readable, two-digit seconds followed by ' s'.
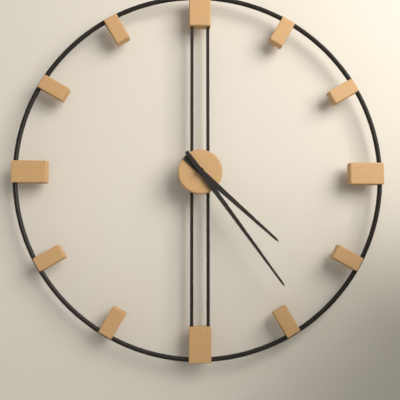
4 h 24 min
